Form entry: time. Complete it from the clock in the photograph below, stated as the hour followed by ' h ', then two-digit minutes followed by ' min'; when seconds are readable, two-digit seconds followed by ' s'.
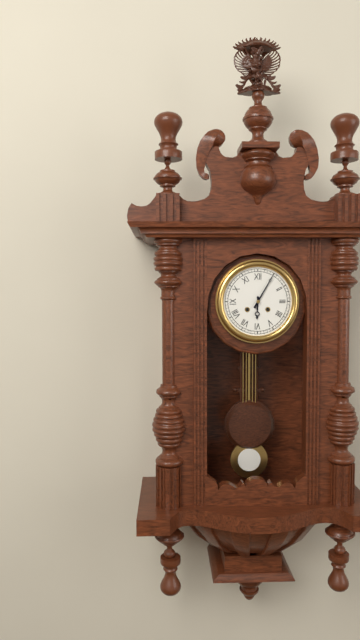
6 h 05 min
